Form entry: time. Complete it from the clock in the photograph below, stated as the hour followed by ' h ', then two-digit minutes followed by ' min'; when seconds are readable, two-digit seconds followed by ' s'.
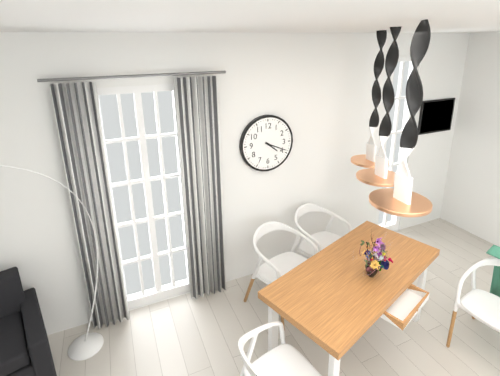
4 h 19 min
